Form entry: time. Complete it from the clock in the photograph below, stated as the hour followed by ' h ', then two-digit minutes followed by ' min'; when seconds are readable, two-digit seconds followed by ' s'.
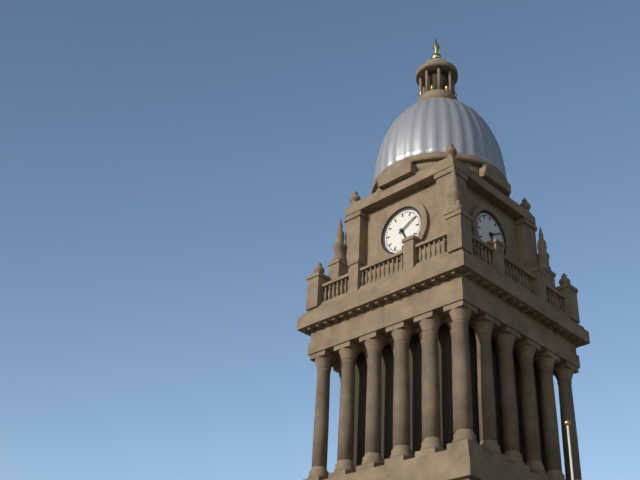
5 h 10 min
